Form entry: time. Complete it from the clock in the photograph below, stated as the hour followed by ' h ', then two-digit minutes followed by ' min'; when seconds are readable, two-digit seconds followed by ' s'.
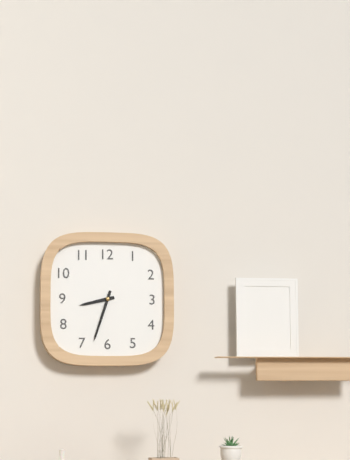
8 h 33 min
